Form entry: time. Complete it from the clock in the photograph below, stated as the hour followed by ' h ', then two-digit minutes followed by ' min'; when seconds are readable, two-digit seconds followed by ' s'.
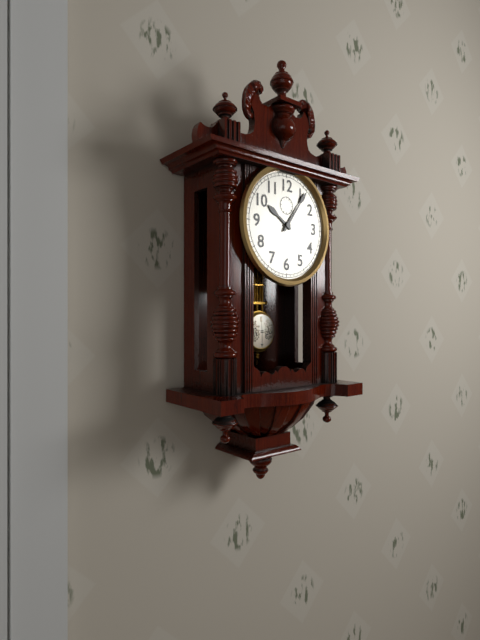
10 h 06 min
